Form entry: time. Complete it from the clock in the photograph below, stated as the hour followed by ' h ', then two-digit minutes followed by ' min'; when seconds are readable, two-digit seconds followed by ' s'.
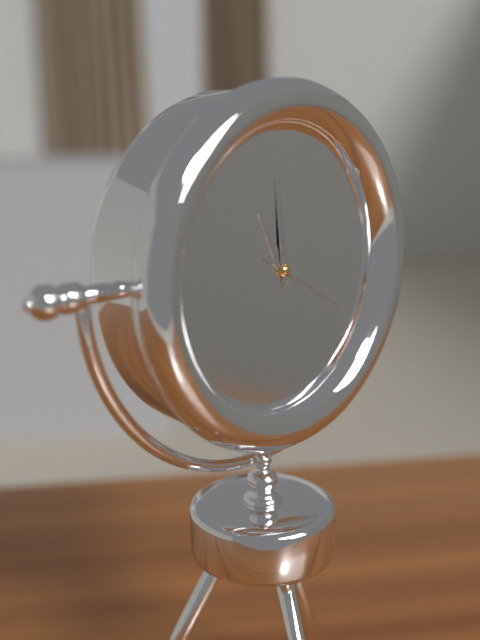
10 h 59 min 20 s
